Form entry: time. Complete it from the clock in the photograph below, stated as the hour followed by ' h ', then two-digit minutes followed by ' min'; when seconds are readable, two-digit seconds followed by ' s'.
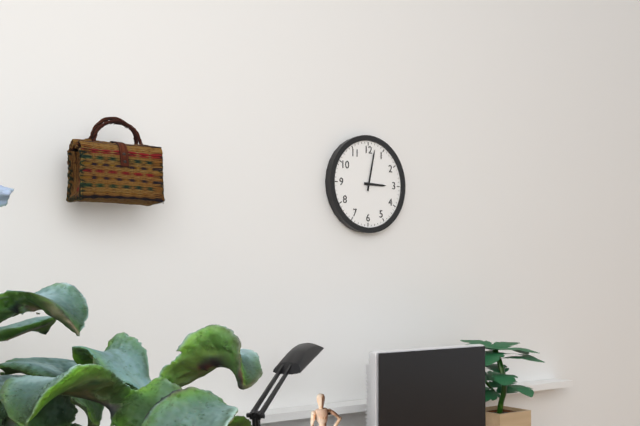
3 h 02 min
